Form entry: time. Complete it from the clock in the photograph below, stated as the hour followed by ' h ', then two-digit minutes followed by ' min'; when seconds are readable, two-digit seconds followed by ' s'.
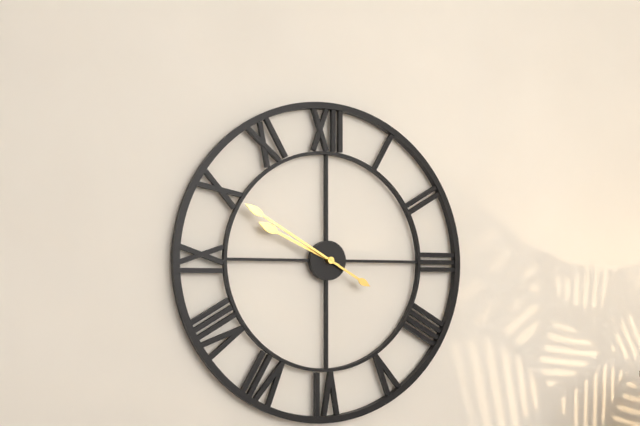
9 h 50 min
